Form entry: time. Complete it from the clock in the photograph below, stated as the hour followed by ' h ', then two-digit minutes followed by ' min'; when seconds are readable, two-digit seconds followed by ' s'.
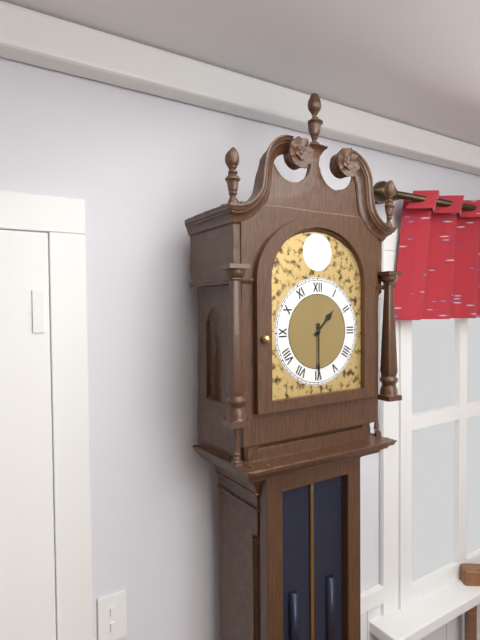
1 h 30 min
